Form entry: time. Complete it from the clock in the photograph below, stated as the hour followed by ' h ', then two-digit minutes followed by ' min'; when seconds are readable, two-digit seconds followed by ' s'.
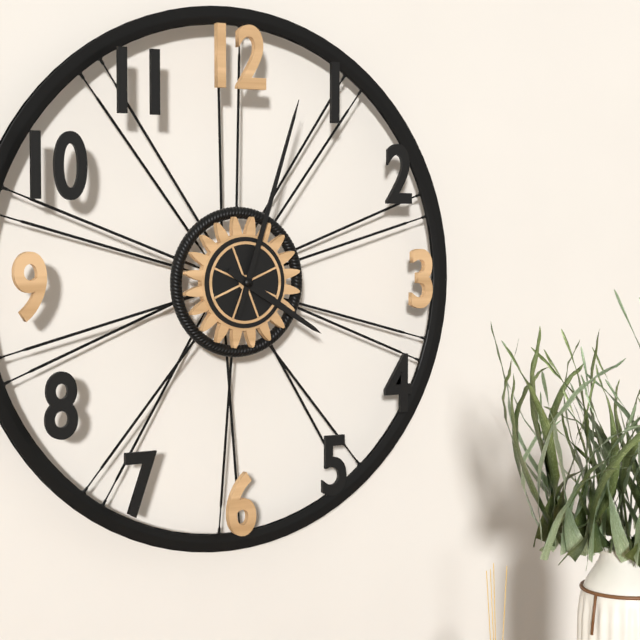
4 h 03 min
